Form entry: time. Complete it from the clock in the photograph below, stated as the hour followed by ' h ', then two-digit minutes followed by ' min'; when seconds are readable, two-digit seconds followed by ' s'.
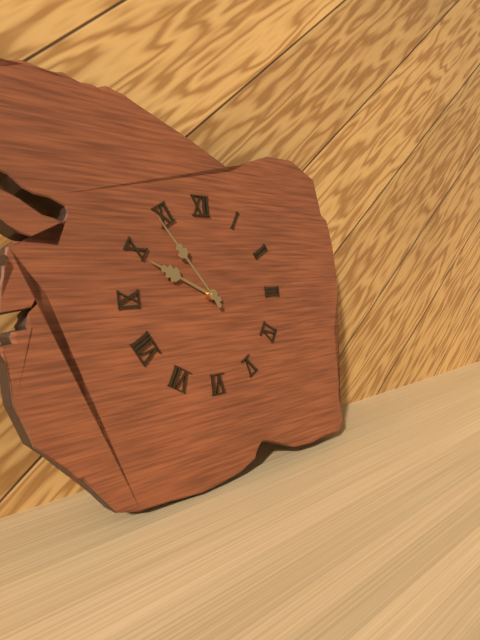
9 h 54 min
